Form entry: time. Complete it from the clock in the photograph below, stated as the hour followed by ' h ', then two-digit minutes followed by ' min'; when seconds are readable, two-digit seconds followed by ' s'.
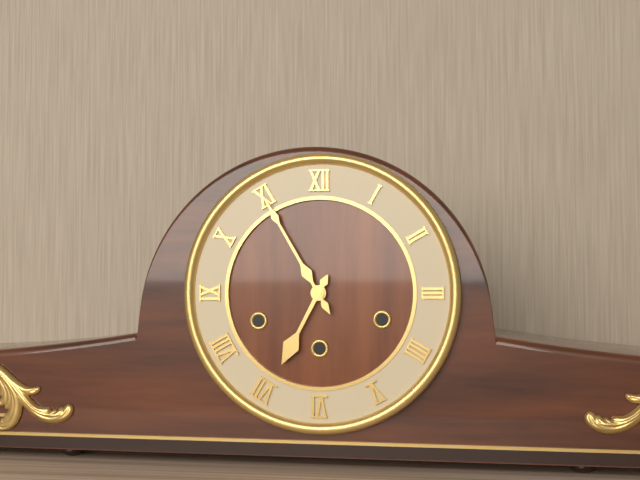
6 h 55 min
